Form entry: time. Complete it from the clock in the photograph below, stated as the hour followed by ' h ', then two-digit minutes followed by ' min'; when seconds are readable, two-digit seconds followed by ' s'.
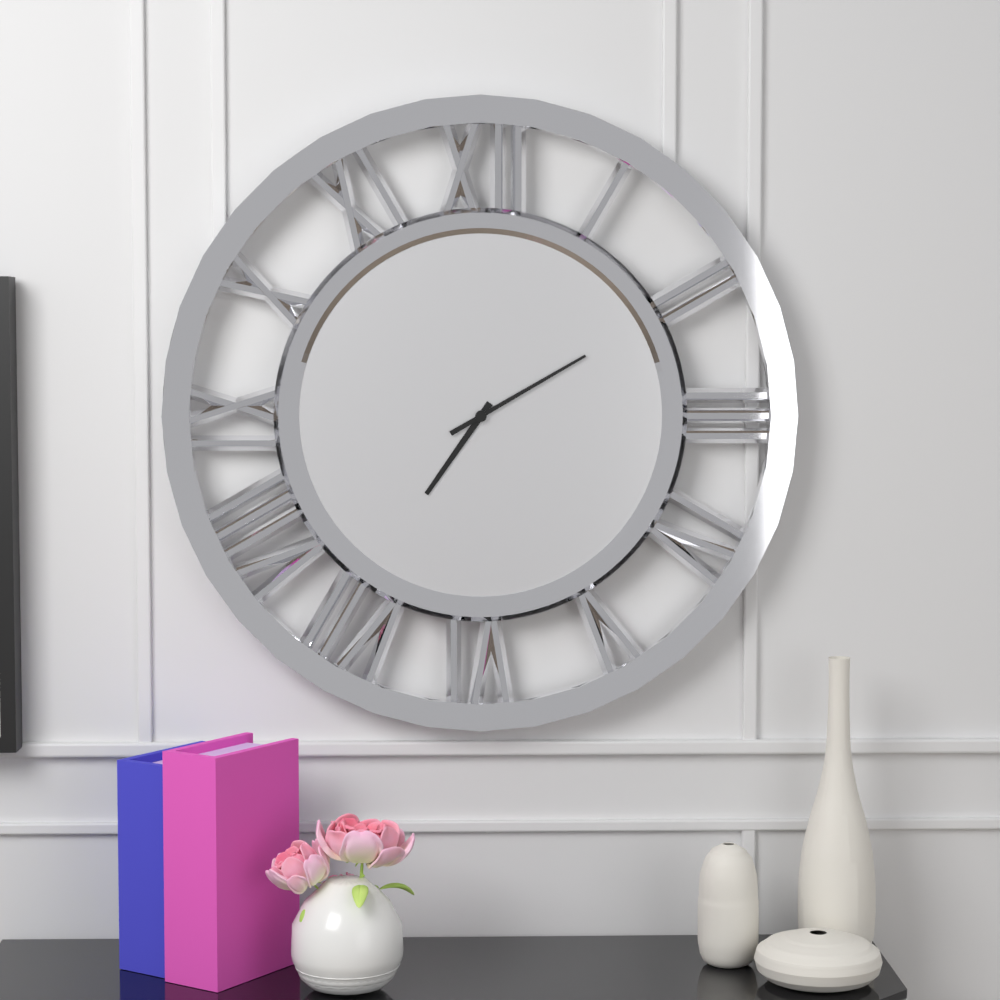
7 h 10 min
